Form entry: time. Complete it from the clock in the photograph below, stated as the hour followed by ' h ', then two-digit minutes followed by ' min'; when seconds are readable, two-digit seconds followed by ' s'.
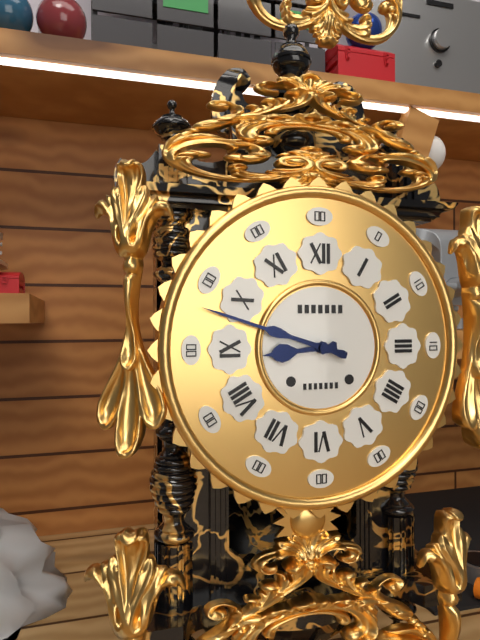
8 h 48 min
